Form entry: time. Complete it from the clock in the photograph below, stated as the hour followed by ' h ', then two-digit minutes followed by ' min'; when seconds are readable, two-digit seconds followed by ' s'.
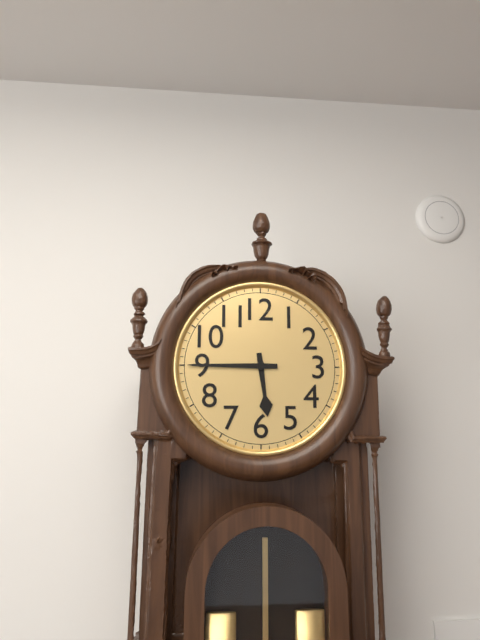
5 h 45 min
